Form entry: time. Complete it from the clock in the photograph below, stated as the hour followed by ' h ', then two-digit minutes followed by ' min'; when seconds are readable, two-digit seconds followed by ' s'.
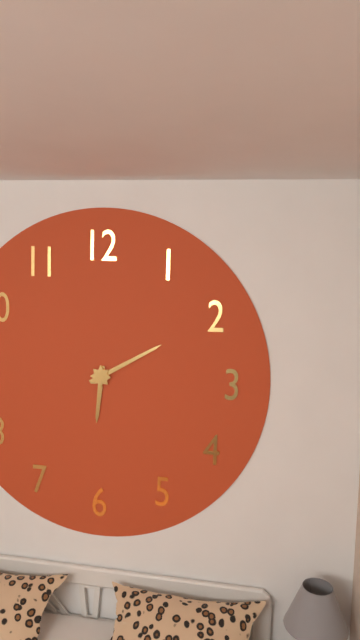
6 h 10 min
